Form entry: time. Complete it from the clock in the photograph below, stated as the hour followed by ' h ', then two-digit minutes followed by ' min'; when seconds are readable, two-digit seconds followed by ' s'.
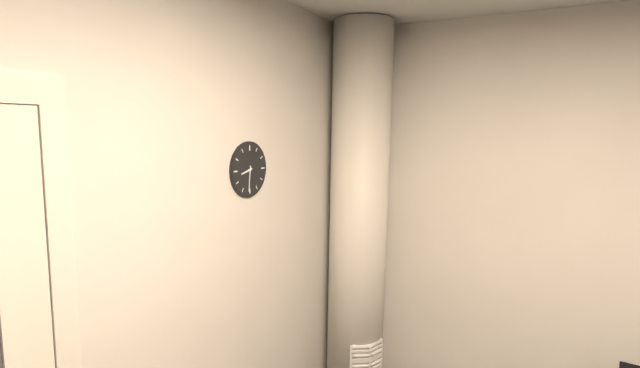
8 h 31 min
